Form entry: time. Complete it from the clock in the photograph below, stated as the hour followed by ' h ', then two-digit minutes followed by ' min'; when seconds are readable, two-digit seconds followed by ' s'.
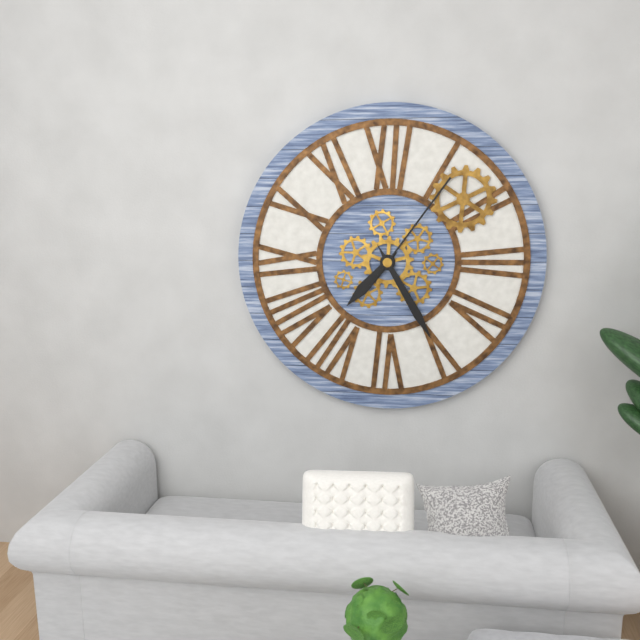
7 h 25 min 06 s
